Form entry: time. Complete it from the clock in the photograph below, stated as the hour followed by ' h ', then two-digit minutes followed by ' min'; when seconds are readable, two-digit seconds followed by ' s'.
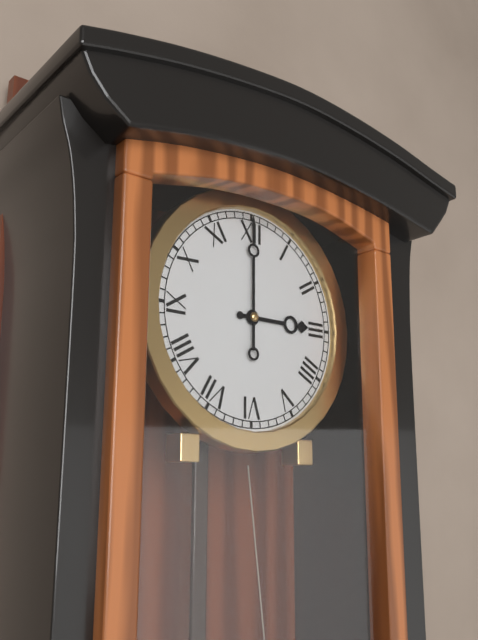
3 h 00 min
